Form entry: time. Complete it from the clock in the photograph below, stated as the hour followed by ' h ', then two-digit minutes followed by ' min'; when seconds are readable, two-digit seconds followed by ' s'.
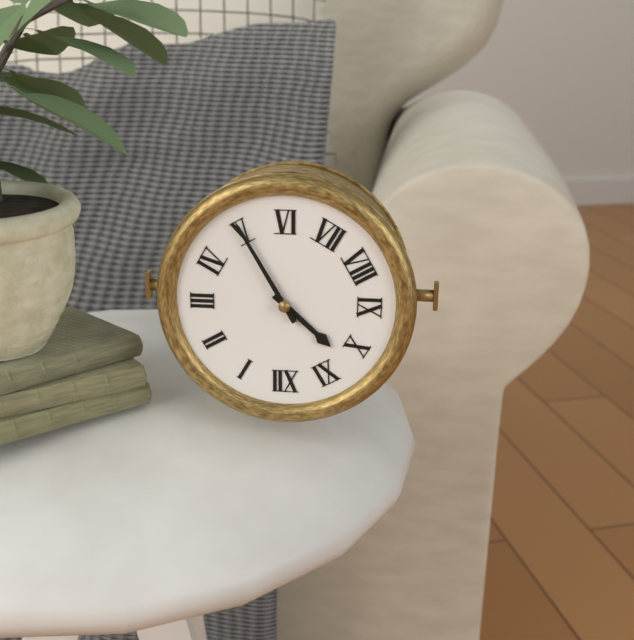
10 h 25 min
